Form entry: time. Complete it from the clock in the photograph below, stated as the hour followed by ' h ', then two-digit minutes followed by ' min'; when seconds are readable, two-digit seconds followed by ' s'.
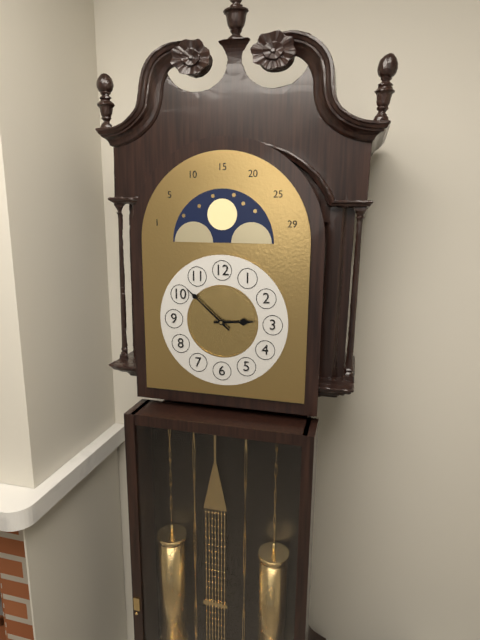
2 h 52 min
